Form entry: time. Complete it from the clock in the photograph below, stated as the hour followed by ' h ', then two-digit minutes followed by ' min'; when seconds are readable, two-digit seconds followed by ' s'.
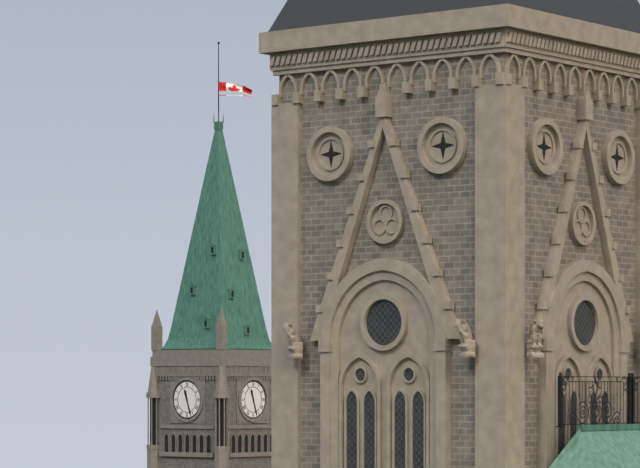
11 h 27 min
